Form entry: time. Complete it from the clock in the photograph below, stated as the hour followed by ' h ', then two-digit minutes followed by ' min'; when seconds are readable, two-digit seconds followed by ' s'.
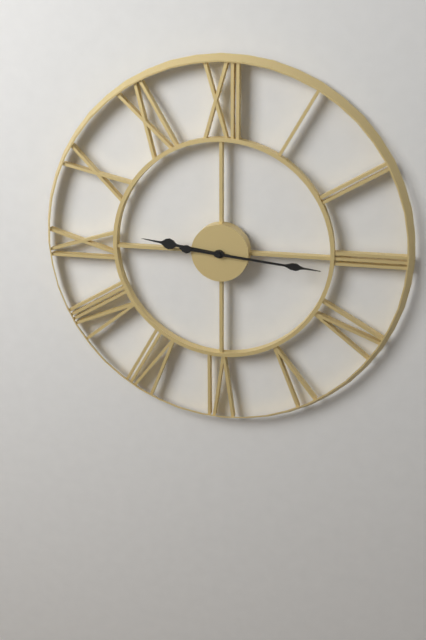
9 h 16 min
